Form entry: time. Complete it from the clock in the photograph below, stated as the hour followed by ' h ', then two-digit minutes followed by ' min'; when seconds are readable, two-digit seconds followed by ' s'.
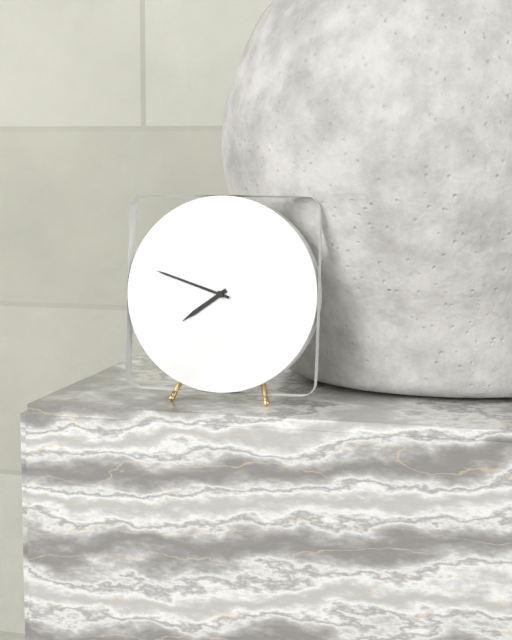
7 h 48 min
